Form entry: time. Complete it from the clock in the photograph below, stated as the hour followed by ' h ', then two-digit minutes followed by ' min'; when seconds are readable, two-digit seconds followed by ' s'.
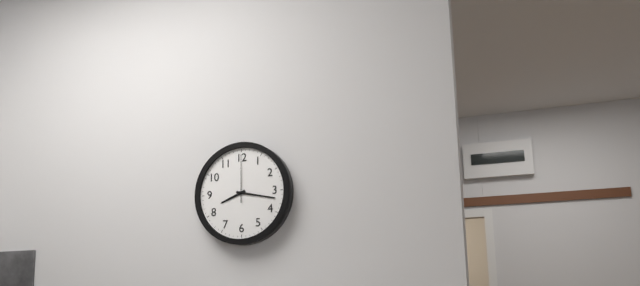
8 h 17 min
